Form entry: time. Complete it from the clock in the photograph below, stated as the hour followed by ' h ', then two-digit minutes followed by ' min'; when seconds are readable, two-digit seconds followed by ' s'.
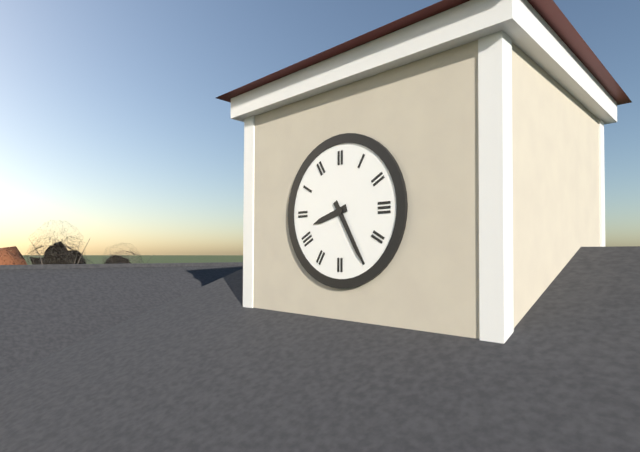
8 h 25 min
